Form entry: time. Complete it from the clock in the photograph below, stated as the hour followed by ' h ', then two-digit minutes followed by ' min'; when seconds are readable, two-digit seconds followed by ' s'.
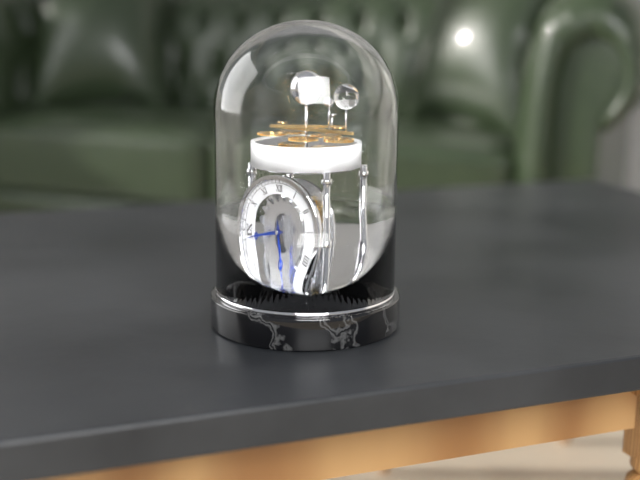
5 h 44 min
